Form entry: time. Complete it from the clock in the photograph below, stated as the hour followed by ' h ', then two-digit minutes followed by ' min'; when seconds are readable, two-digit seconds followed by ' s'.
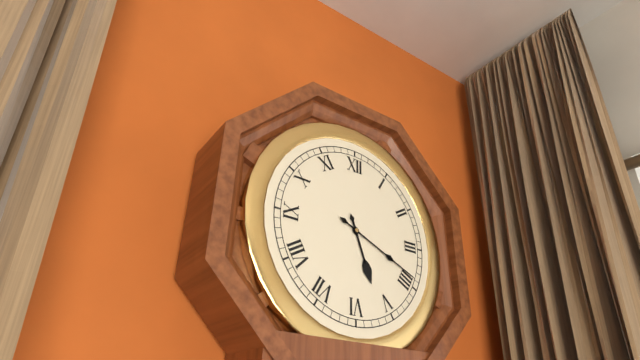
5 h 19 min
